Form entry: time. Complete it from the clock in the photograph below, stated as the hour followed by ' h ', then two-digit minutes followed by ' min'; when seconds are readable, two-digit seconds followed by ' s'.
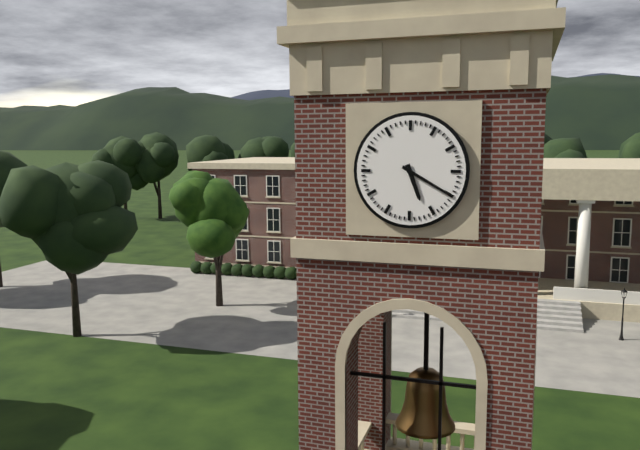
5 h 20 min
